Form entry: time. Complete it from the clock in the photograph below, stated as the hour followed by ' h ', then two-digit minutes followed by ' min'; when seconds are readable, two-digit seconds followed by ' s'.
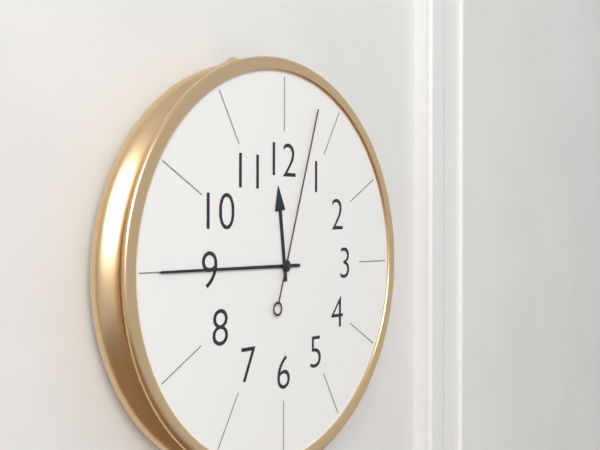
11 h 45 min 03 s
